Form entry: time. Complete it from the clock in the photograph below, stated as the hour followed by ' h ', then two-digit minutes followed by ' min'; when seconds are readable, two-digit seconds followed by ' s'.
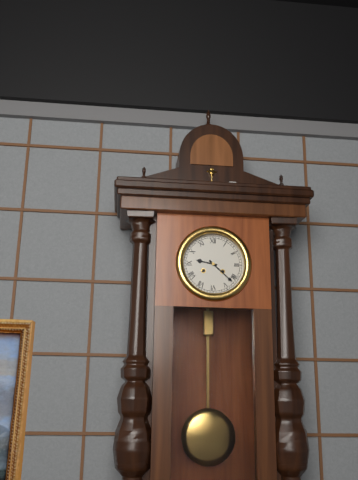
9 h 22 min
